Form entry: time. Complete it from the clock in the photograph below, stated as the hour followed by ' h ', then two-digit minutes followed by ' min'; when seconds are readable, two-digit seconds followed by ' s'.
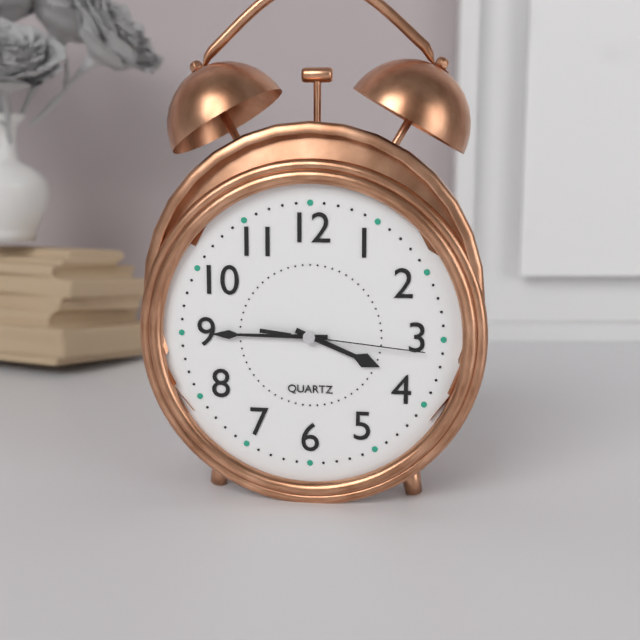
3 h 45 min 16 s
